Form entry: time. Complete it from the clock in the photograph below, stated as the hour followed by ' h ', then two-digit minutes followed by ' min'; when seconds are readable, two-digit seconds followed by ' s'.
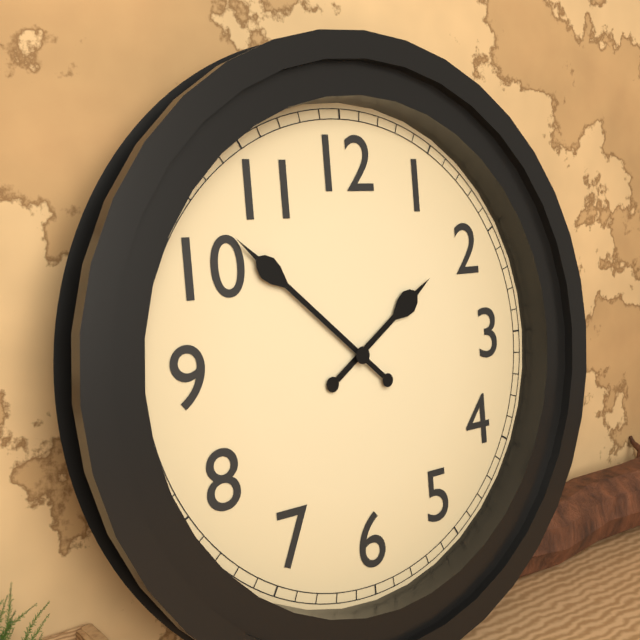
1 h 52 min
